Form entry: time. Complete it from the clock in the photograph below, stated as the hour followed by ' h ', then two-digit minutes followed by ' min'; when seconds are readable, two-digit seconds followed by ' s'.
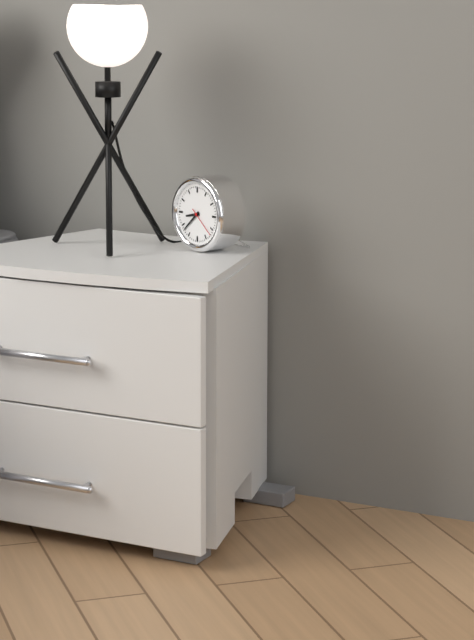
8 h 38 min
